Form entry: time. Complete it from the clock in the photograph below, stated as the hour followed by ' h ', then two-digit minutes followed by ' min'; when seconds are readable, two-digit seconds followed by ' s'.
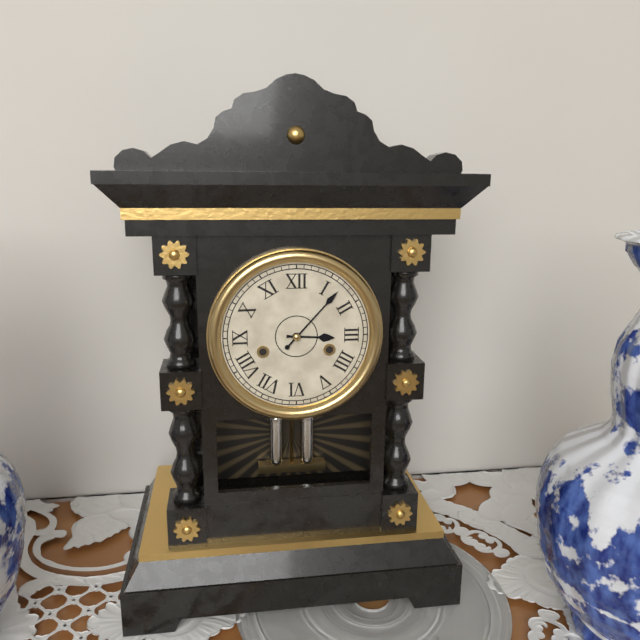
3 h 07 min
